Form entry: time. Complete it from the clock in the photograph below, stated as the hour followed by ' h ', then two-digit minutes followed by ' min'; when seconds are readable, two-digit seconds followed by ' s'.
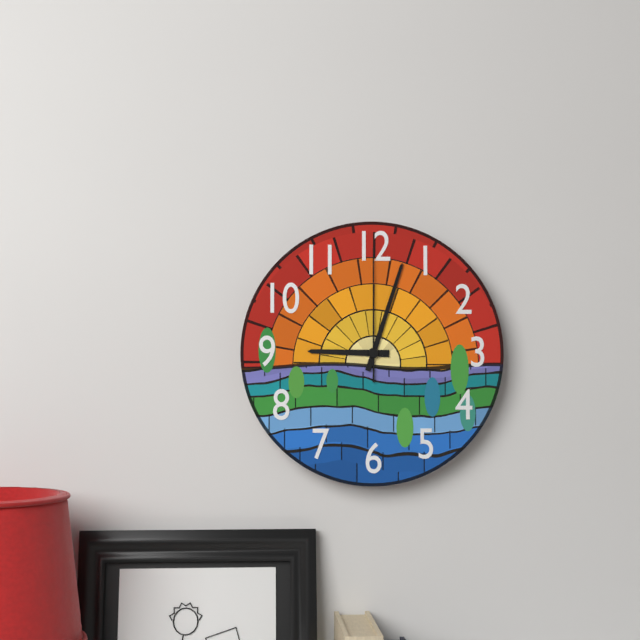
9 h 03 min 00 s
